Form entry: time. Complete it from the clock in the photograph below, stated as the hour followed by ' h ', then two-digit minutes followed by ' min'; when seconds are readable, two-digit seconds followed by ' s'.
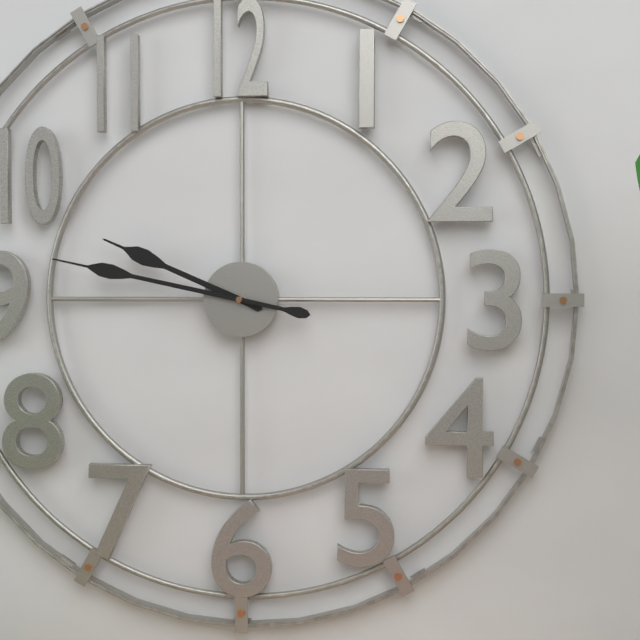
9 h 47 min
